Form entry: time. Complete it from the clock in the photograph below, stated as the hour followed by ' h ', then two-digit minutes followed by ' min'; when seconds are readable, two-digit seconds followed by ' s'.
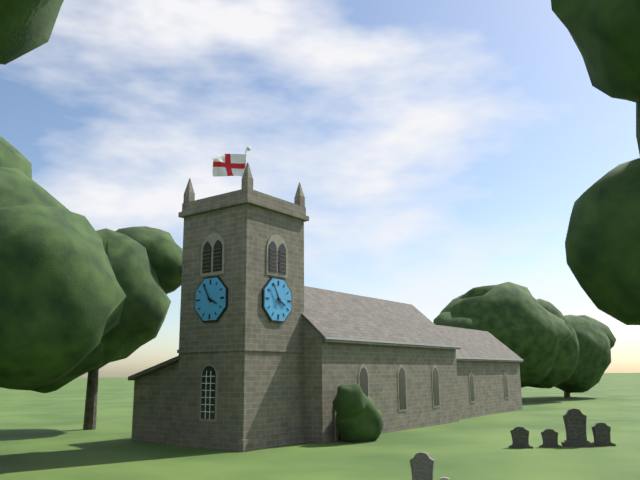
3 h 55 min
